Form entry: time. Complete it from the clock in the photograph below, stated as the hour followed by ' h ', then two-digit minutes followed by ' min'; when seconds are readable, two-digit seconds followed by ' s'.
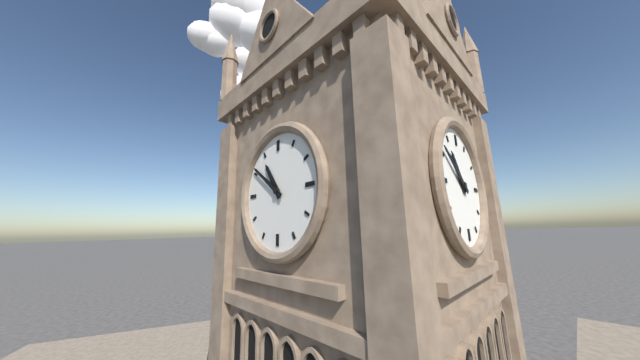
10 h 51 min
